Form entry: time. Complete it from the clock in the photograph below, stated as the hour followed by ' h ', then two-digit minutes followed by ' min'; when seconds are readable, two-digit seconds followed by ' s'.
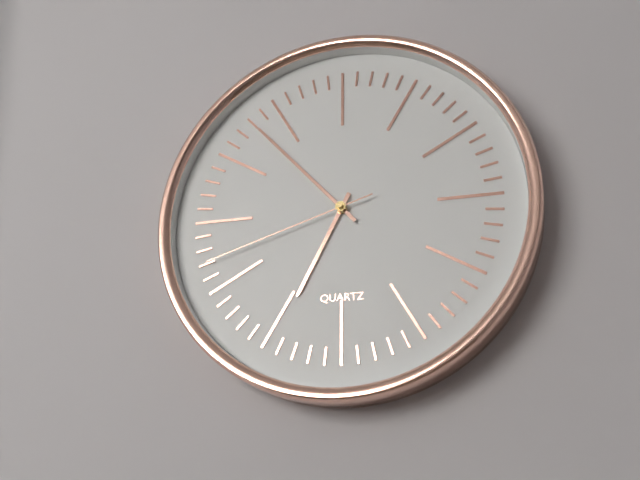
6 h 53 min 42 s
